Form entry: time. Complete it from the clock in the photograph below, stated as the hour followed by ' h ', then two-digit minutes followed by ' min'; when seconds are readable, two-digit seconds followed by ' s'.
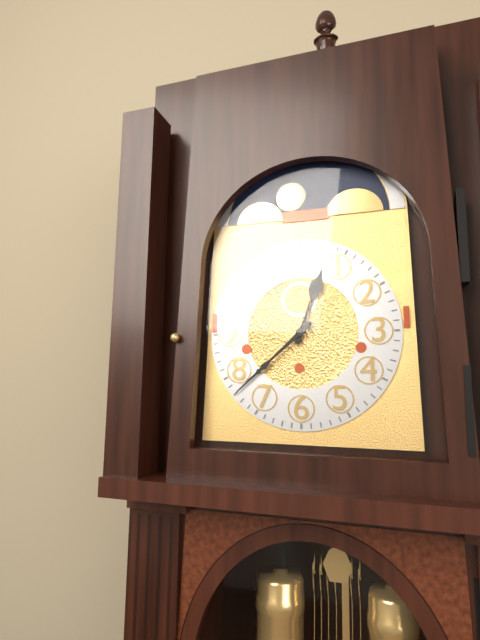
12 h 38 min
